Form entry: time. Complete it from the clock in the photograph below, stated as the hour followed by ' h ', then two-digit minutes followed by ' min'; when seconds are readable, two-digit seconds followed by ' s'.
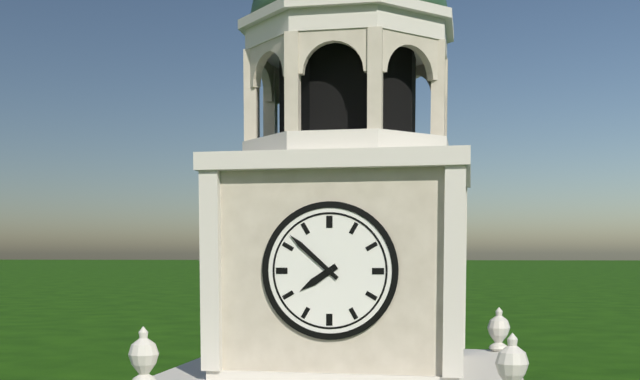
7 h 52 min
